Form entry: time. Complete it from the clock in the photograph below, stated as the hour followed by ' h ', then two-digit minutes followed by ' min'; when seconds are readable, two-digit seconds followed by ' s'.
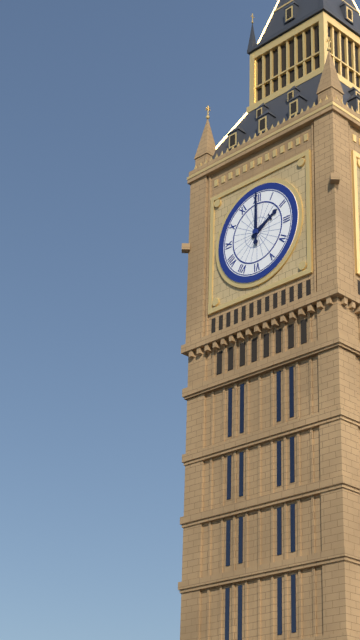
2 h 00 min
